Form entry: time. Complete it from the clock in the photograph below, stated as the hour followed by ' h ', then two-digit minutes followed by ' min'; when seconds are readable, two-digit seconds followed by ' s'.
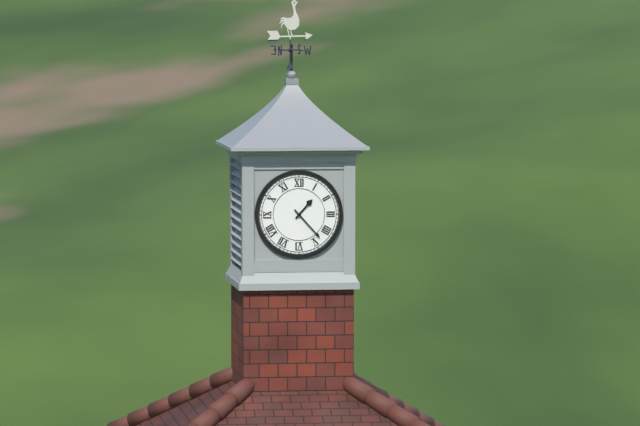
1 h 23 min
